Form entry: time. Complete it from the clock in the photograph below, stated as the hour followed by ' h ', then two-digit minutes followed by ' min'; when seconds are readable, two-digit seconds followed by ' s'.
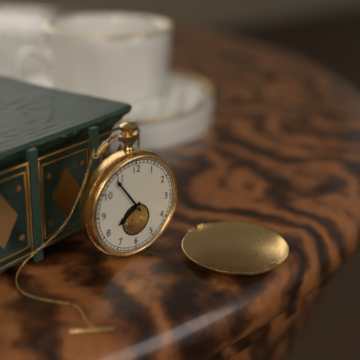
7 h 54 min
